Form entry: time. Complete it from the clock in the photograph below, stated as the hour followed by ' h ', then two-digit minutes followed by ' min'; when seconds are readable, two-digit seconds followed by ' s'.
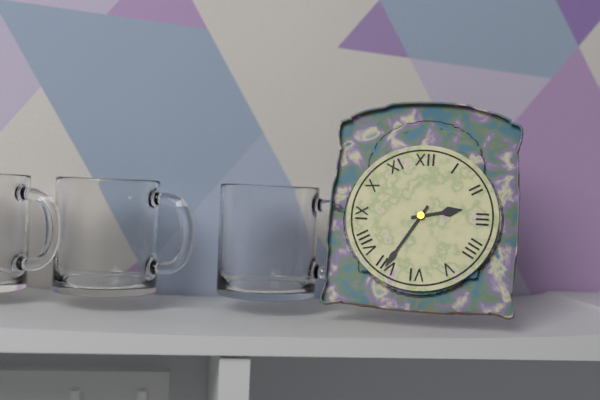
2 h 35 min
